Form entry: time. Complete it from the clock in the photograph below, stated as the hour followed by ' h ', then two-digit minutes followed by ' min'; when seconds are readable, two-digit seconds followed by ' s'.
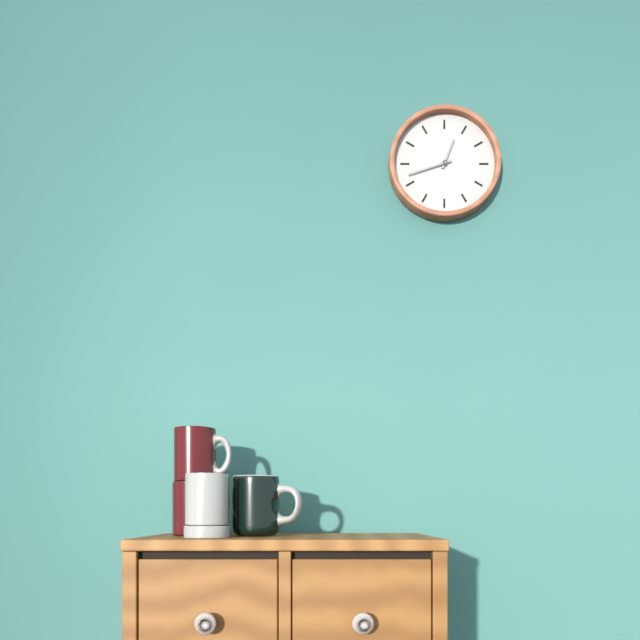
12 h 42 min
